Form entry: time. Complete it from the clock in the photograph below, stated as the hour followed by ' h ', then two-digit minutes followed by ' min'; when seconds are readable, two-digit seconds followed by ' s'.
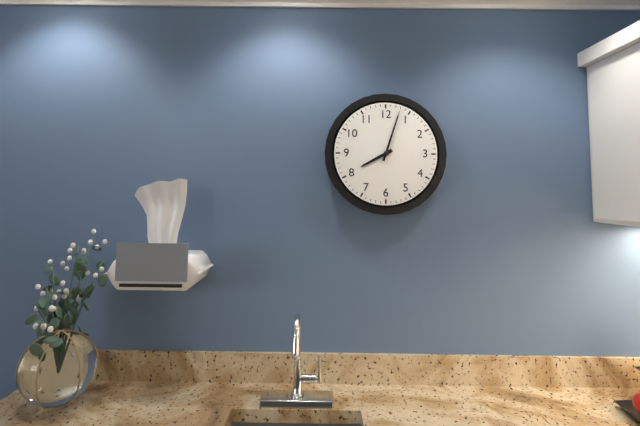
8 h 03 min
